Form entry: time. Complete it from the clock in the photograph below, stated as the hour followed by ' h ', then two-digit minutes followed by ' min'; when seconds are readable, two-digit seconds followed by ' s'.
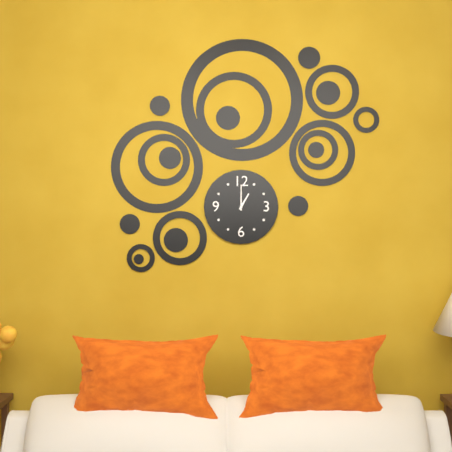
1 h 00 min
